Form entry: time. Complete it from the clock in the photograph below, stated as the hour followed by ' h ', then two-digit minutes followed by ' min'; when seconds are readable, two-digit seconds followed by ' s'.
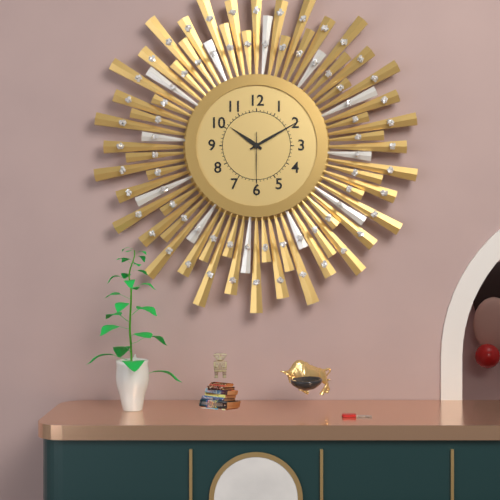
10 h 10 min 30 s
